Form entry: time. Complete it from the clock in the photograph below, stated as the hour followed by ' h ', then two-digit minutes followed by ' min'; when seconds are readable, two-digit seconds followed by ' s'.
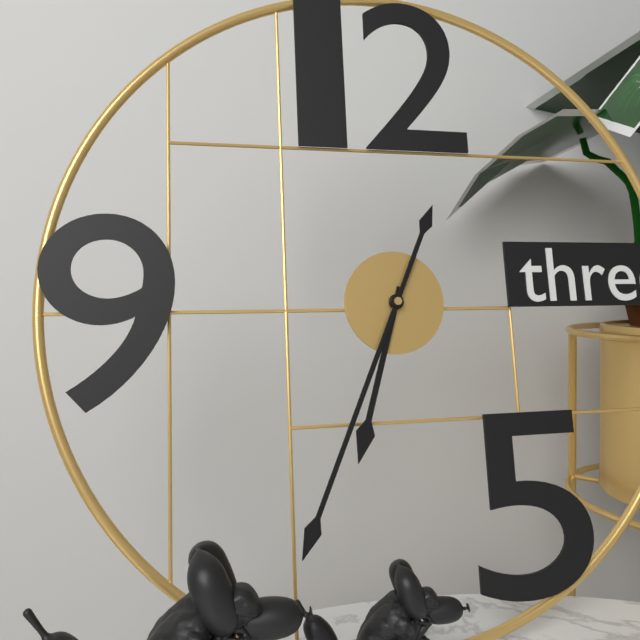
6 h 34 min
